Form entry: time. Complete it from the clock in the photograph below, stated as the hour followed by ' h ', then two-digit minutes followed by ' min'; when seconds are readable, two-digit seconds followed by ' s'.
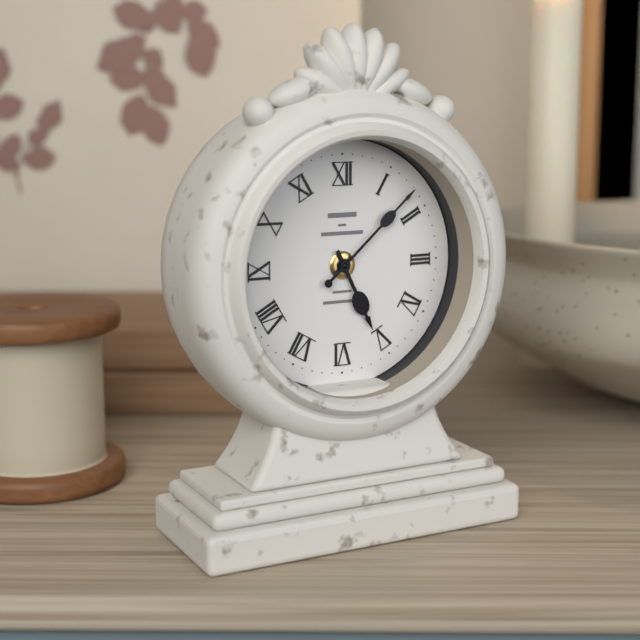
5 h 08 min
